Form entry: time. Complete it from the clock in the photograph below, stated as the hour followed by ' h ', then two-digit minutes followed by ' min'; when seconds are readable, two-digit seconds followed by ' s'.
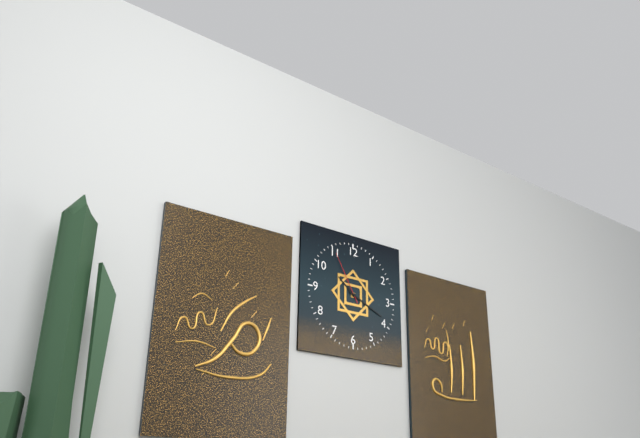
10 h 19 min 55 s
